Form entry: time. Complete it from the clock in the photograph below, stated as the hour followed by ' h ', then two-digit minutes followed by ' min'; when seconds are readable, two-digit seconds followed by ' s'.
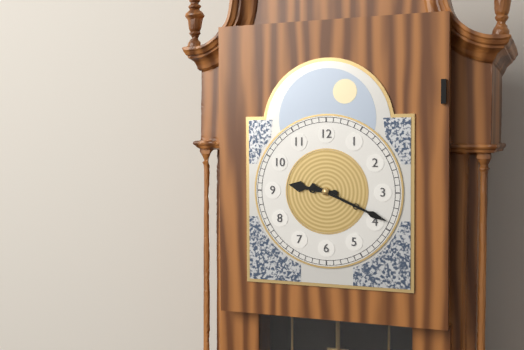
9 h 19 min
